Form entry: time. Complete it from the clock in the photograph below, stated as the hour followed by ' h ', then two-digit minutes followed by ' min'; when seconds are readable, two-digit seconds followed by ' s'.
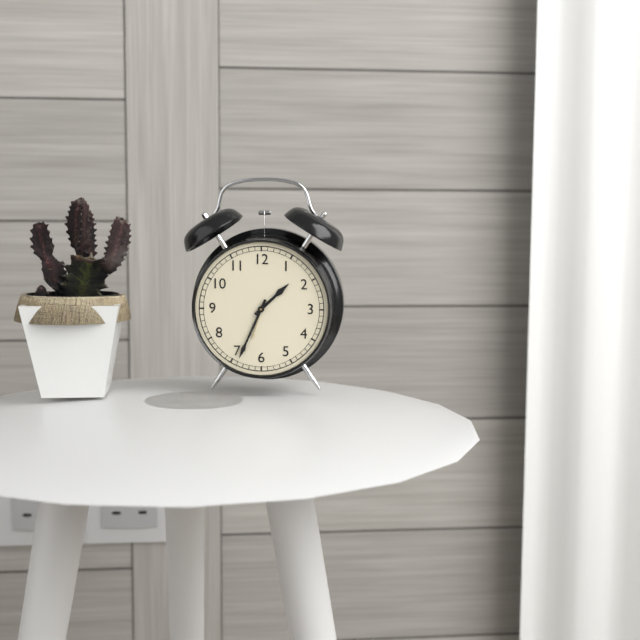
1 h 34 min
